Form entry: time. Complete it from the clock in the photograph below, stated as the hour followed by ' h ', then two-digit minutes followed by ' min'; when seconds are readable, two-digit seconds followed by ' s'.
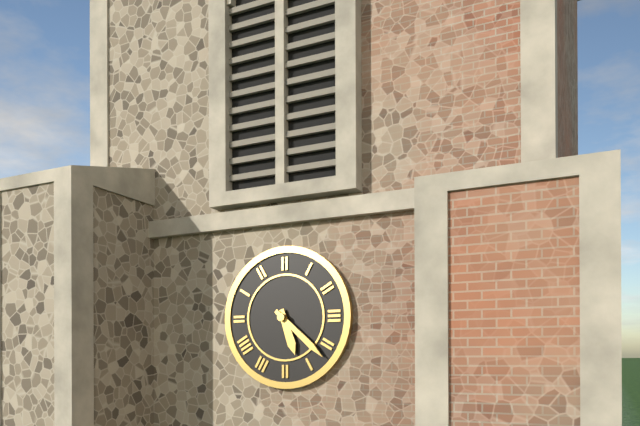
5 h 22 min
